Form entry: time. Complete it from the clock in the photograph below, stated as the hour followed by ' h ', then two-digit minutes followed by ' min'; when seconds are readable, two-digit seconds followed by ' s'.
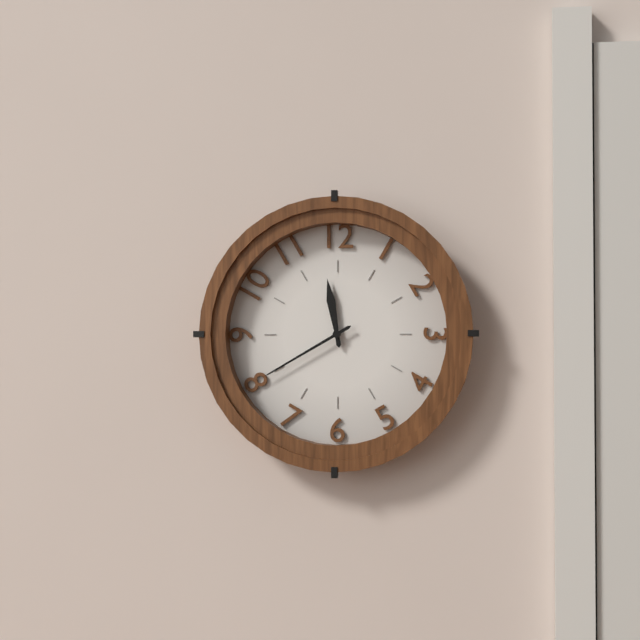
11 h 40 min
